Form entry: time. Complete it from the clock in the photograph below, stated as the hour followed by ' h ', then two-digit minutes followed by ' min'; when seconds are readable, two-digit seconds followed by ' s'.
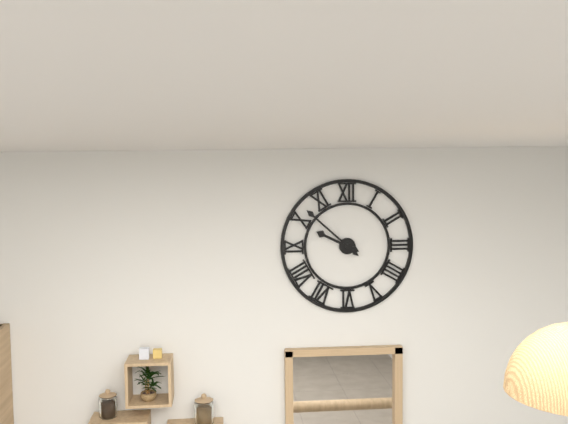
9 h 52 min
